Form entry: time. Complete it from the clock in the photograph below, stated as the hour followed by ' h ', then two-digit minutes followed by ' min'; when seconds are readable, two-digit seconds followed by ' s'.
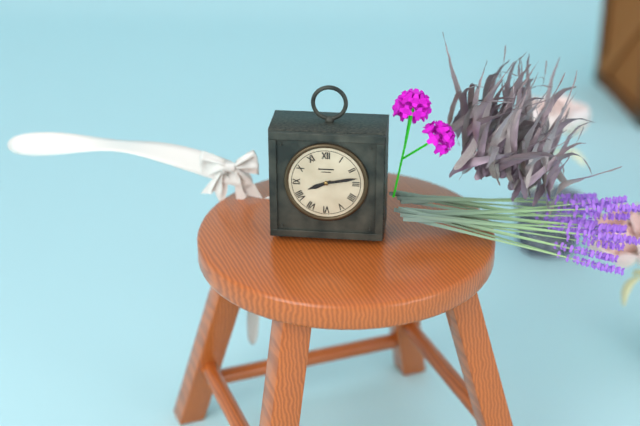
8 h 13 min
